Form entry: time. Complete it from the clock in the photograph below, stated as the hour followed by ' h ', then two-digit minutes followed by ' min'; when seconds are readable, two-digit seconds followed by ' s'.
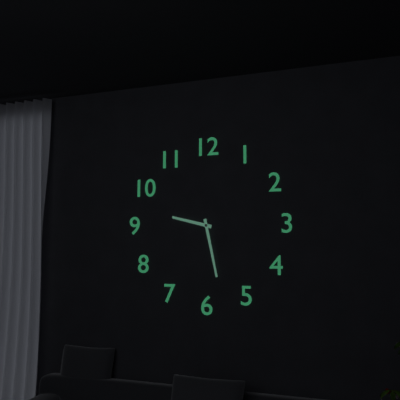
9 h 28 min
